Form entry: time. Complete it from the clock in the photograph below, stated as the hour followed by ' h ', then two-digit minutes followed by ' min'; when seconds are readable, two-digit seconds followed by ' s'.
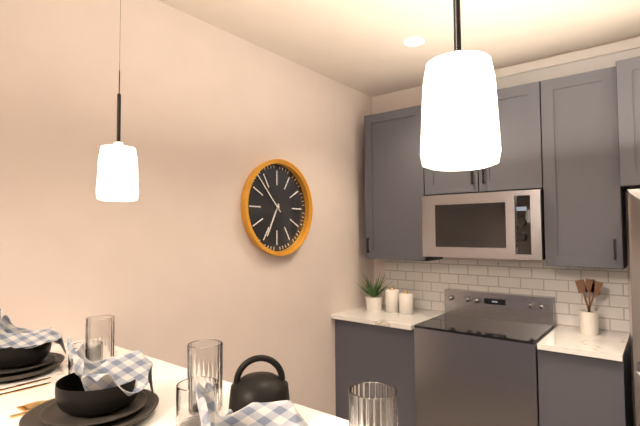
6 h 53 min
